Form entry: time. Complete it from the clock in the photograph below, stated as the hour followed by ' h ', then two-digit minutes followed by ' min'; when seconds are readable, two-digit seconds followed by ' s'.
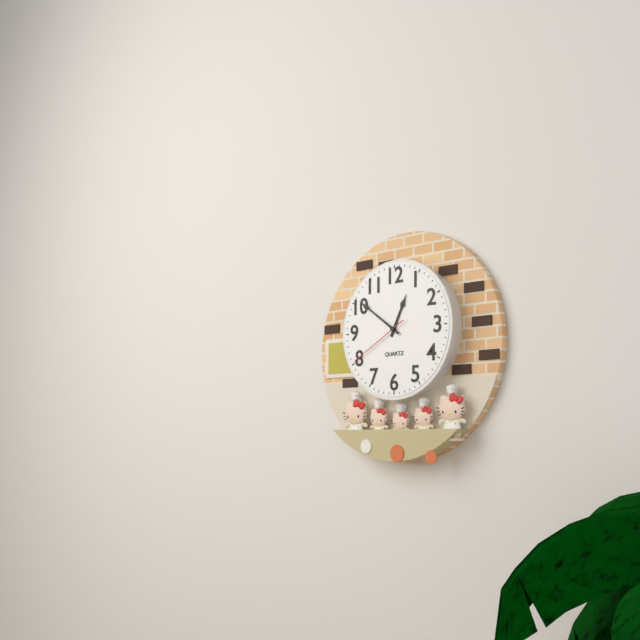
12 h 51 min 40 s
